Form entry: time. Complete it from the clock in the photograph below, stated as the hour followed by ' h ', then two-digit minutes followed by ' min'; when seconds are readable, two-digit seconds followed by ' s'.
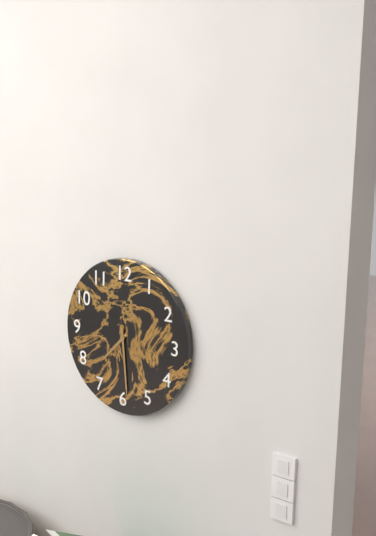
7 h 29 min
